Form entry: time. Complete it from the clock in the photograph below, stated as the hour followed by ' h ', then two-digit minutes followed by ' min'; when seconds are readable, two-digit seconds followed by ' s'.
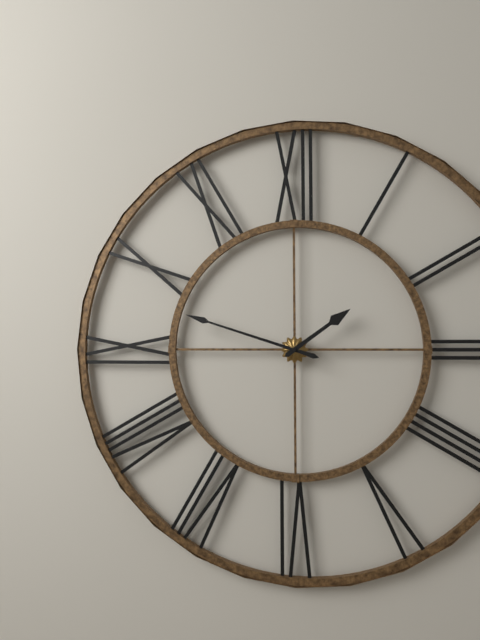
1 h 48 min
